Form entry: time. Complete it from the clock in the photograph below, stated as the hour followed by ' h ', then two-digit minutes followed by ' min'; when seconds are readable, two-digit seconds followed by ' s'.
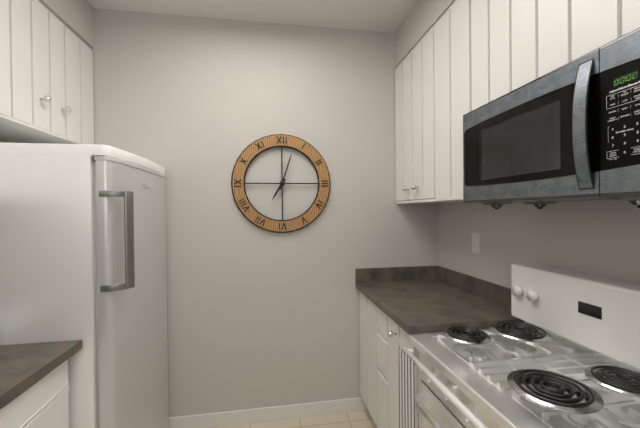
7 h 03 min
